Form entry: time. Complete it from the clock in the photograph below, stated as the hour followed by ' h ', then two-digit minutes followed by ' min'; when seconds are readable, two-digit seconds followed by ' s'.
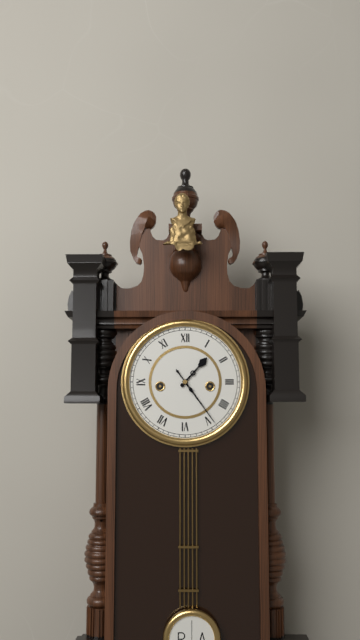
1 h 24 min
